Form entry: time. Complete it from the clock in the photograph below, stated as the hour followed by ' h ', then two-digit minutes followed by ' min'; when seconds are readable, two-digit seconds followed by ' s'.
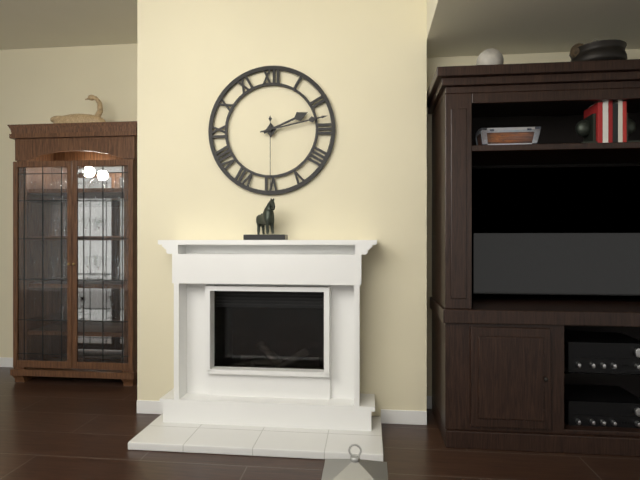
2 h 13 min 30 s
